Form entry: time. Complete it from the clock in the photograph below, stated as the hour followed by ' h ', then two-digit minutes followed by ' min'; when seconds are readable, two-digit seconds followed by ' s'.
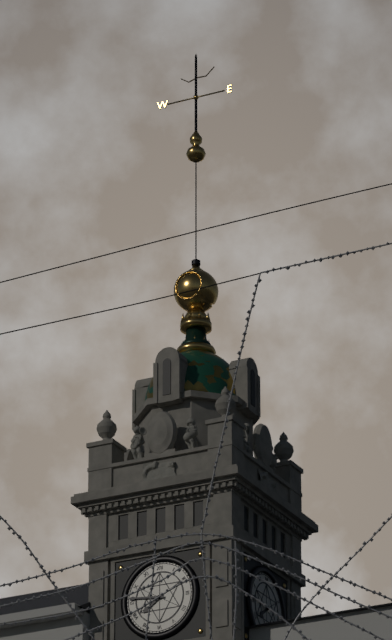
7 h 46 min
